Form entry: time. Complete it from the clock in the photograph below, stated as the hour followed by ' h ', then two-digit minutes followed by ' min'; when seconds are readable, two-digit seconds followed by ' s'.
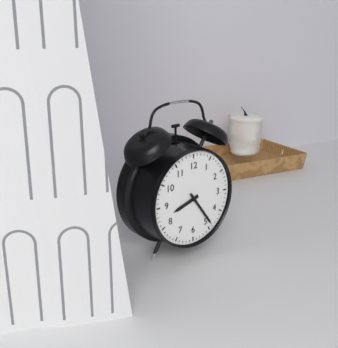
8 h 24 min
